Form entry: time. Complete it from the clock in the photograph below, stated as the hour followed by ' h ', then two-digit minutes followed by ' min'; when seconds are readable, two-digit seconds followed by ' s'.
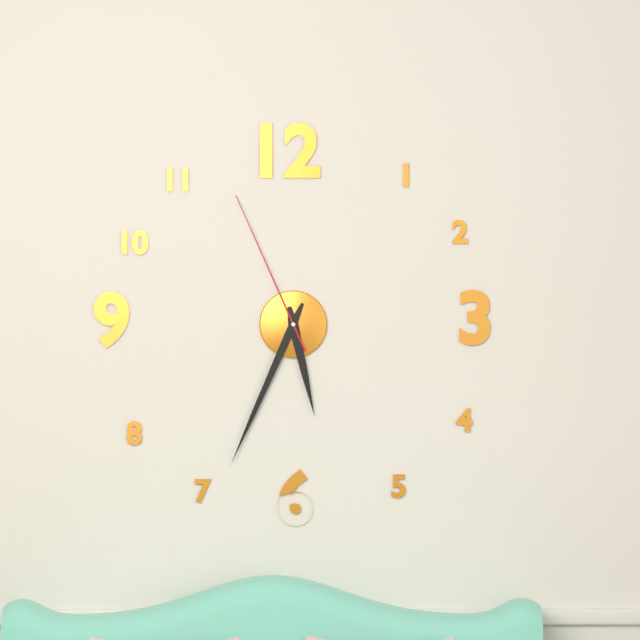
5 h 34 min 56 s
